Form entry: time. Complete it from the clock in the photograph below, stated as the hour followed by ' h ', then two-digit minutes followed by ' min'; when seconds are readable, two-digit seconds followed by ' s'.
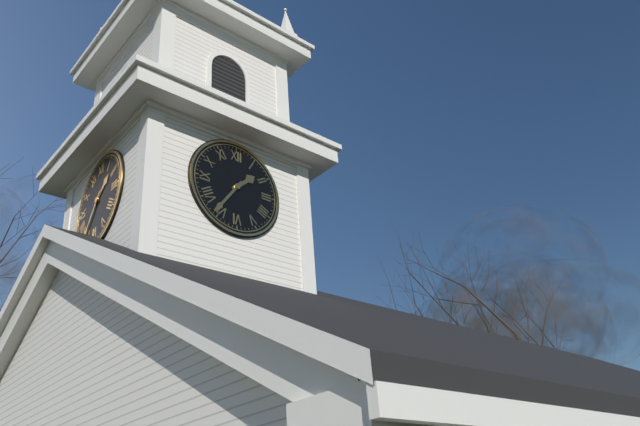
1 h 36 min
